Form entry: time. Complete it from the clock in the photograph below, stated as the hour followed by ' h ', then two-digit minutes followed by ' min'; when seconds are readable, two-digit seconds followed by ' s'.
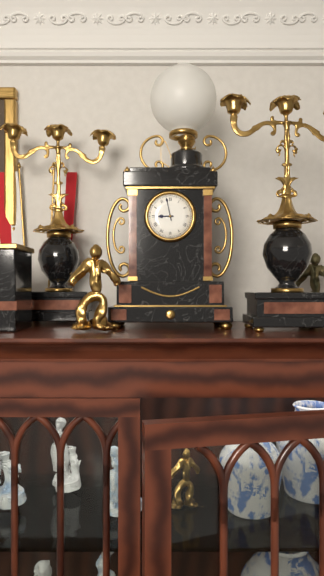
8 h 58 min
